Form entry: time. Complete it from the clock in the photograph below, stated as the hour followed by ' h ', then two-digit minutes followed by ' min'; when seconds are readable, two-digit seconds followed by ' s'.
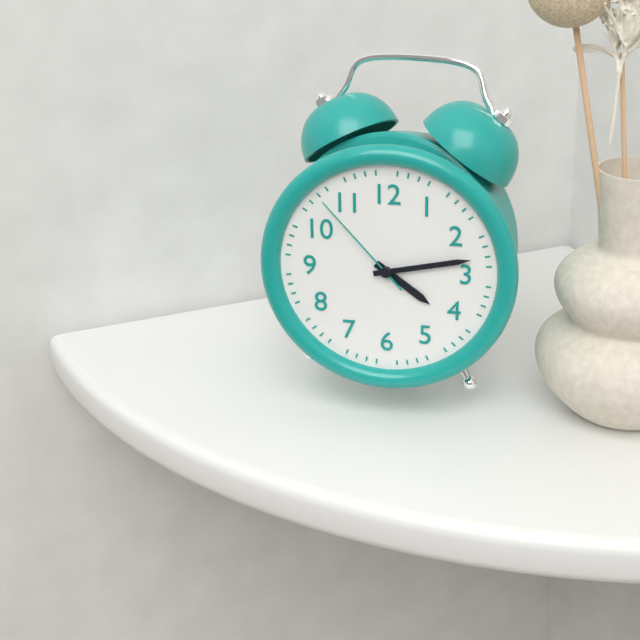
4 h 13 min 53 s
